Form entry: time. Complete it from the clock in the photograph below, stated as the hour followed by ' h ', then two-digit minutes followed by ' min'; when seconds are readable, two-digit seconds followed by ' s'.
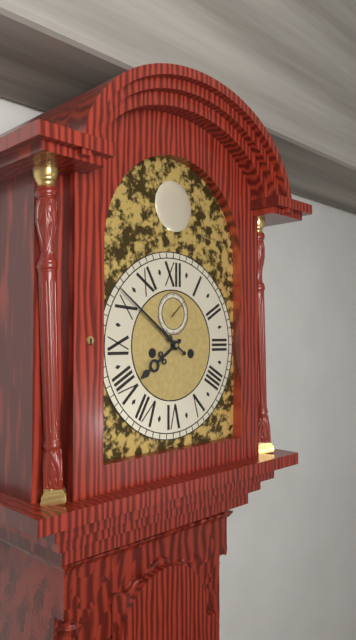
7 h 51 min
